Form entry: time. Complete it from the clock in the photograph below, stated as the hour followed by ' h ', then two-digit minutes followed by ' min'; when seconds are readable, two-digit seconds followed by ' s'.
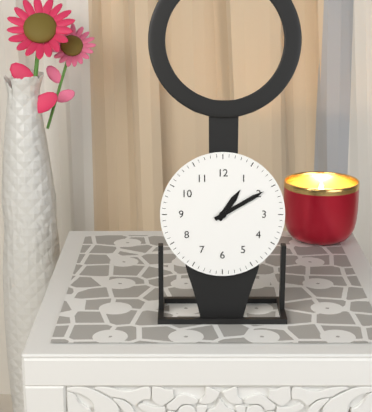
1 h 10 min
